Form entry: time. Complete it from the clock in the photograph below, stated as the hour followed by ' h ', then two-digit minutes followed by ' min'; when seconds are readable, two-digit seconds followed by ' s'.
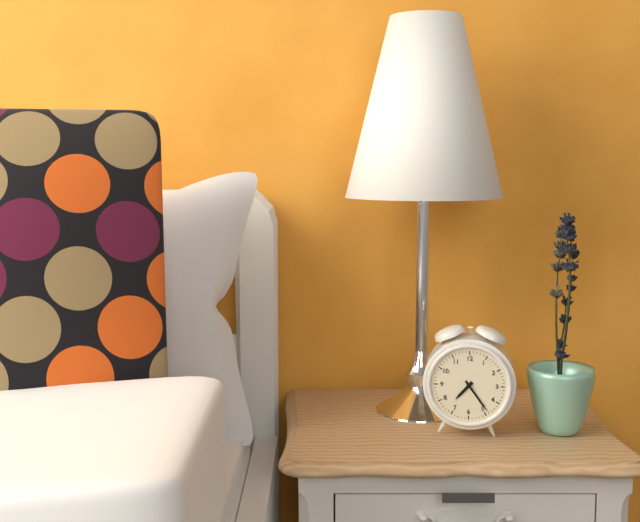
7 h 24 min
